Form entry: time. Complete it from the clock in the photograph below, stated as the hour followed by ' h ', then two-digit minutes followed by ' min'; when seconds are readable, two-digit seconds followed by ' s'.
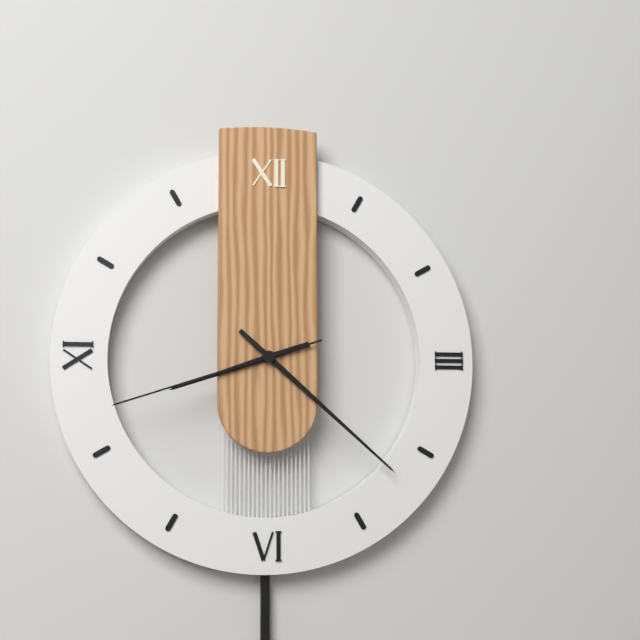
8 h 22 min 42 s
